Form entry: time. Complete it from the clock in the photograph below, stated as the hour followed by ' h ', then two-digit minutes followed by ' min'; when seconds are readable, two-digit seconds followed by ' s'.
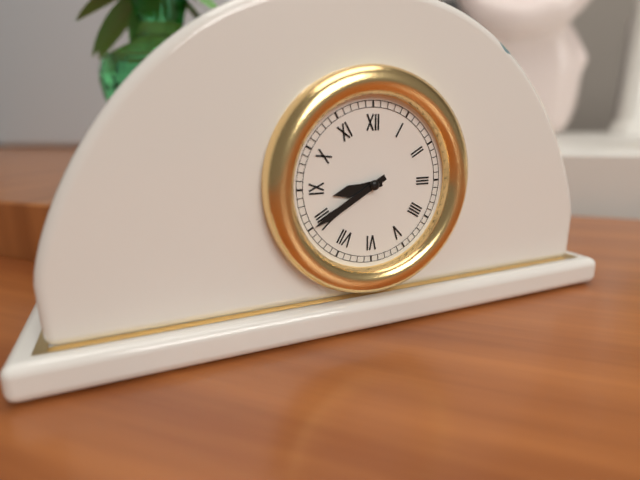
8 h 40 min
